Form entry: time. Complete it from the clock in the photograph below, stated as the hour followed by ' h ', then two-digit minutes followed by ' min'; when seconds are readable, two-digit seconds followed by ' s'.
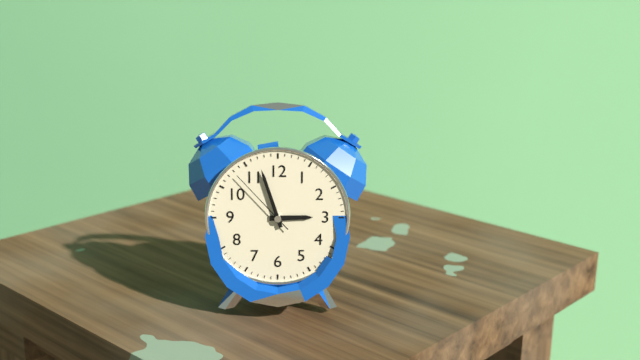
2 h 57 min 53 s
